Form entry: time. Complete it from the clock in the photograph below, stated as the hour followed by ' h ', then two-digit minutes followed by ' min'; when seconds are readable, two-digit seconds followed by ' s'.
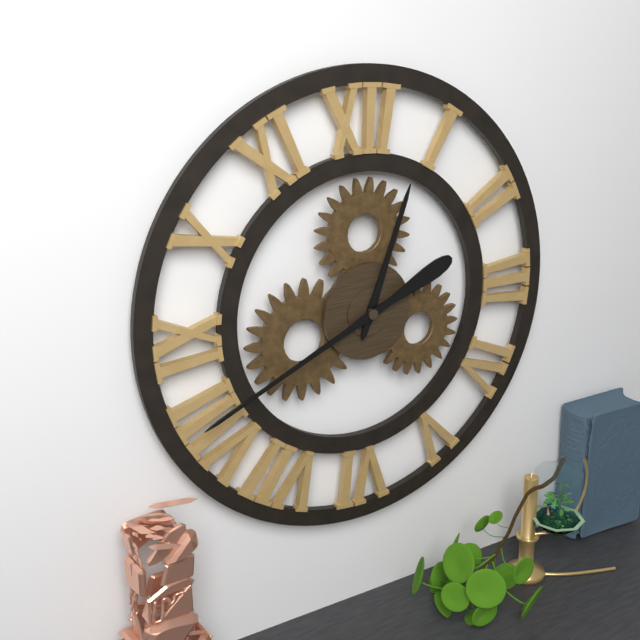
12 h 41 min
